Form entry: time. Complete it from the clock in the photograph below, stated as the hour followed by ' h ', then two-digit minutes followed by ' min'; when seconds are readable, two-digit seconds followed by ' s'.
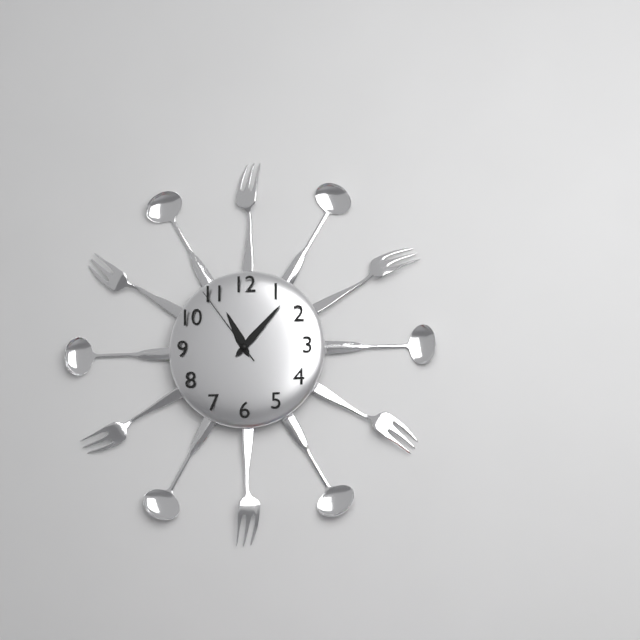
11 h 07 min 54 s
